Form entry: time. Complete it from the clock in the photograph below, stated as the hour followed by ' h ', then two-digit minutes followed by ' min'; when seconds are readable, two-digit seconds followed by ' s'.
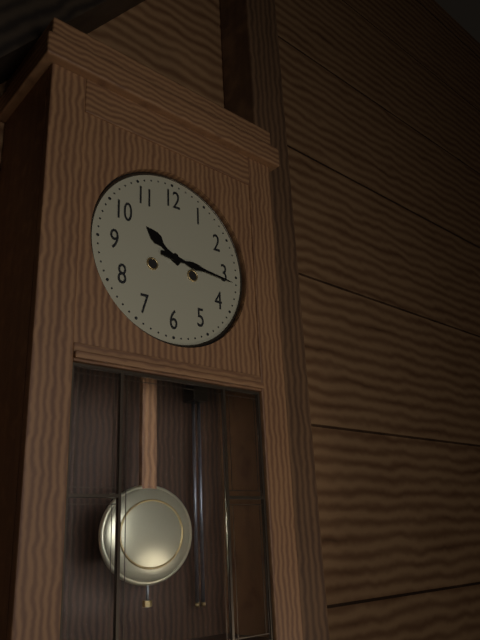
10 h 16 min
